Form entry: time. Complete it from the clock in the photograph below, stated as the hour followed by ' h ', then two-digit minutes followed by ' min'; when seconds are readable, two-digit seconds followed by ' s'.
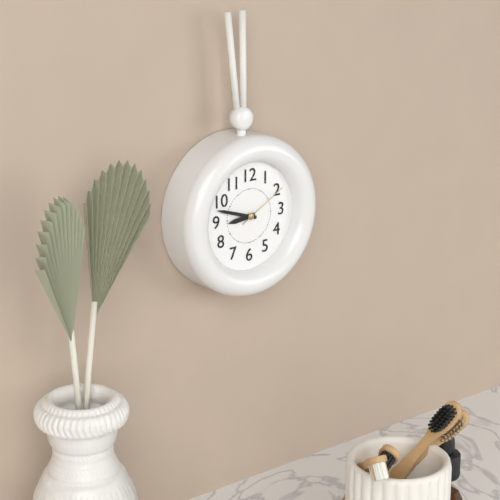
8 h 48 min 10 s
